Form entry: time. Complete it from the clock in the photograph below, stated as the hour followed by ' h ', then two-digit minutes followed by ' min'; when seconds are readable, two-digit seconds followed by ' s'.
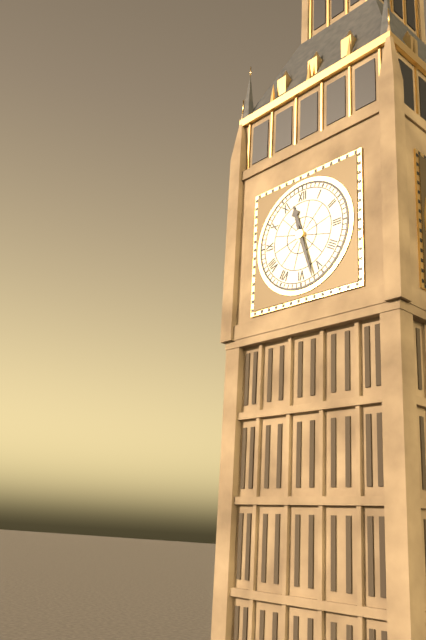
11 h 27 min
